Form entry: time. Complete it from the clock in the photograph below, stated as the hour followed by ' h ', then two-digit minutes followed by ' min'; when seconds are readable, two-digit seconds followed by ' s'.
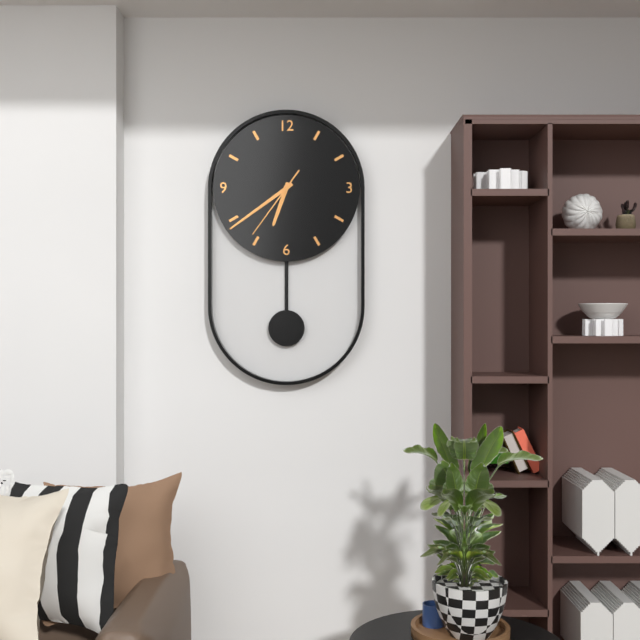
6 h 39 min 36 s
